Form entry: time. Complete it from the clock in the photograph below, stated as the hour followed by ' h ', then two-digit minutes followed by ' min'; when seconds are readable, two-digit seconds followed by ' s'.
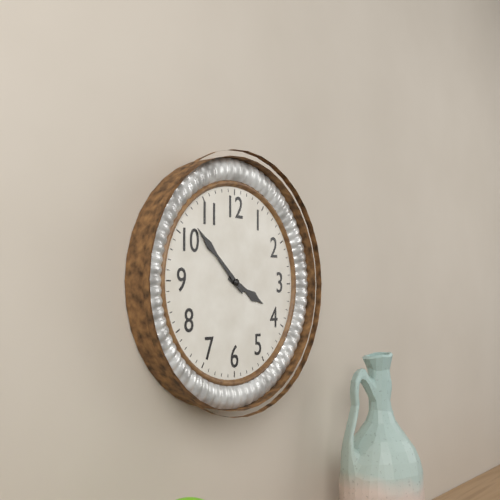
3 h 52 min
